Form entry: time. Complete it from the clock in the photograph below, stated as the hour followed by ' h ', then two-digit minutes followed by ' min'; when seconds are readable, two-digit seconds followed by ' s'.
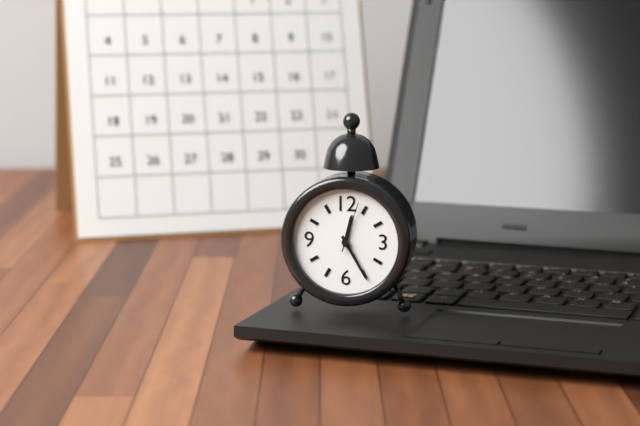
12 h 25 min 03 s
